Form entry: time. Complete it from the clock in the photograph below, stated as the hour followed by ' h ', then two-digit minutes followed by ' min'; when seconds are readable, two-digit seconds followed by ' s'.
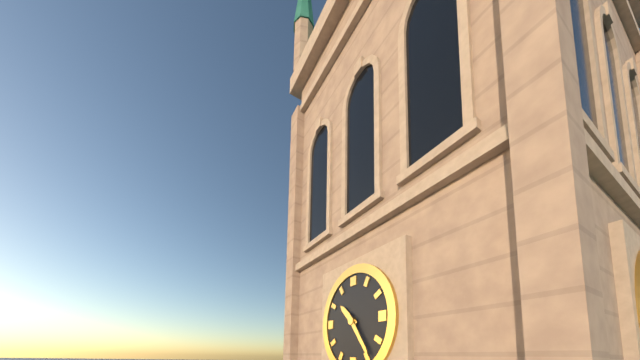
10 h 24 min
